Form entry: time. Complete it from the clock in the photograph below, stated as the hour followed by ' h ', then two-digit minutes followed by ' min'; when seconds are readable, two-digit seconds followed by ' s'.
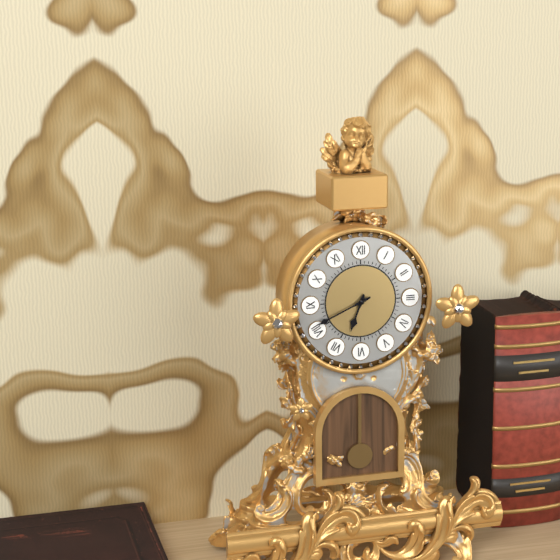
6 h 41 min
